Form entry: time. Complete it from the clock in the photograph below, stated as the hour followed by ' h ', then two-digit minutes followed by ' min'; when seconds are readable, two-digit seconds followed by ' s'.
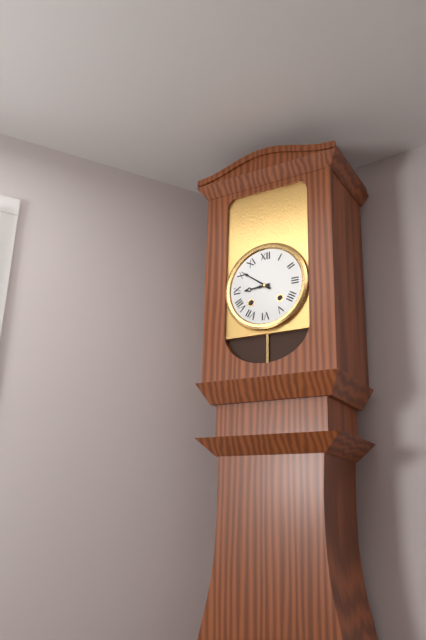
8 h 51 min
